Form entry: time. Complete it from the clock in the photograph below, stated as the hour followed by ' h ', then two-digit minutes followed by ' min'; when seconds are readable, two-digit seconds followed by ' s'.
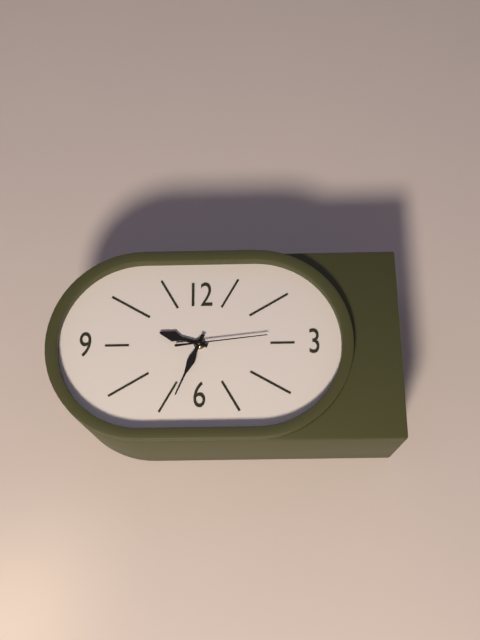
9 h 34 min 14 s
